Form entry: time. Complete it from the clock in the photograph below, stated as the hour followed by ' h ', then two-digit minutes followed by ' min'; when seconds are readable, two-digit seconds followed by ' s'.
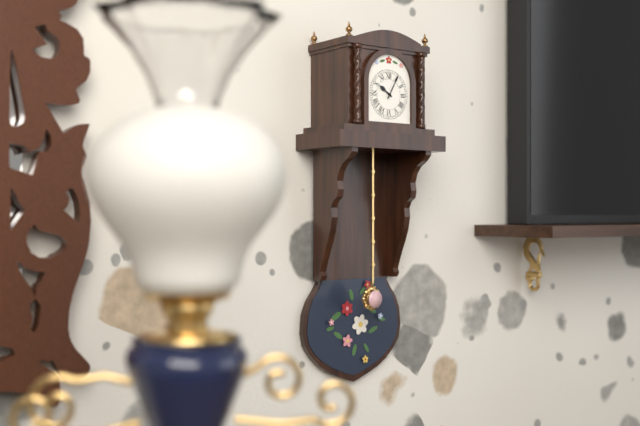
10 h 05 min
